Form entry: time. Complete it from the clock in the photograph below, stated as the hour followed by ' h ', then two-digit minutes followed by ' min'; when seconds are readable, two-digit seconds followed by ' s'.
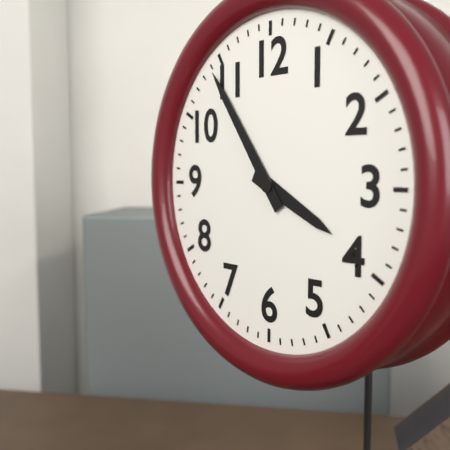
3 h 54 min
